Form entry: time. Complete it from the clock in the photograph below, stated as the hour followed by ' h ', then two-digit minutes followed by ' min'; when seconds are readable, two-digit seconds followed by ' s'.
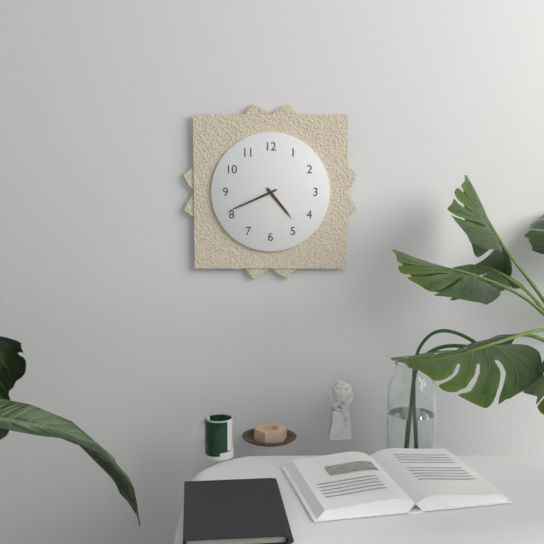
4 h 41 min
